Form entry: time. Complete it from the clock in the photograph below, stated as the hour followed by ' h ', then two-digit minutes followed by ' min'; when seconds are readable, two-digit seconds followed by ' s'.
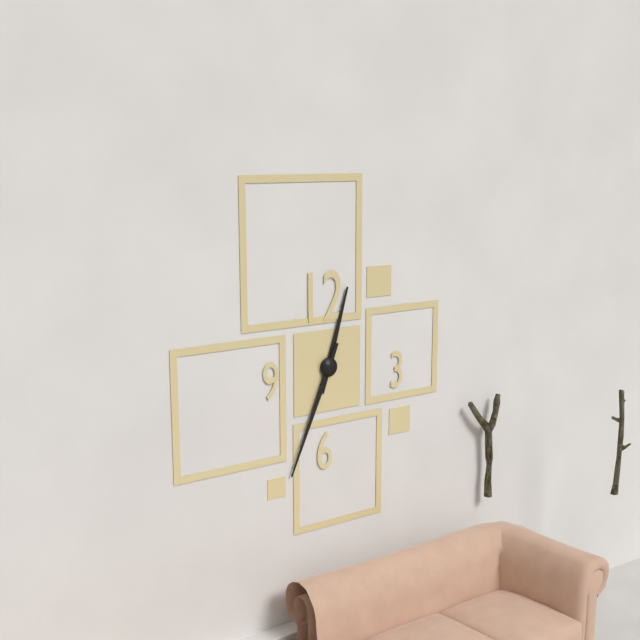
12 h 34 min
